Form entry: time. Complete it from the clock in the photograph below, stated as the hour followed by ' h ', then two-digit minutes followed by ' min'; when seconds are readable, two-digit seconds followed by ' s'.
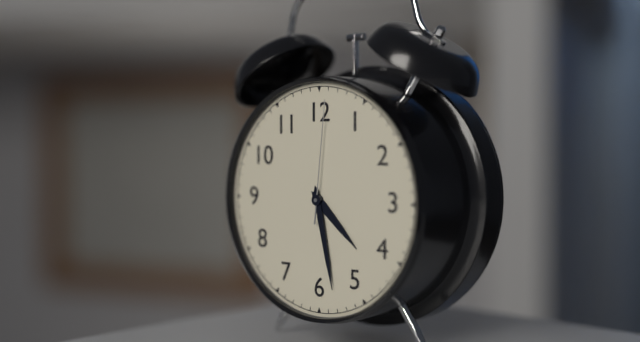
4 h 28 min 01 s
